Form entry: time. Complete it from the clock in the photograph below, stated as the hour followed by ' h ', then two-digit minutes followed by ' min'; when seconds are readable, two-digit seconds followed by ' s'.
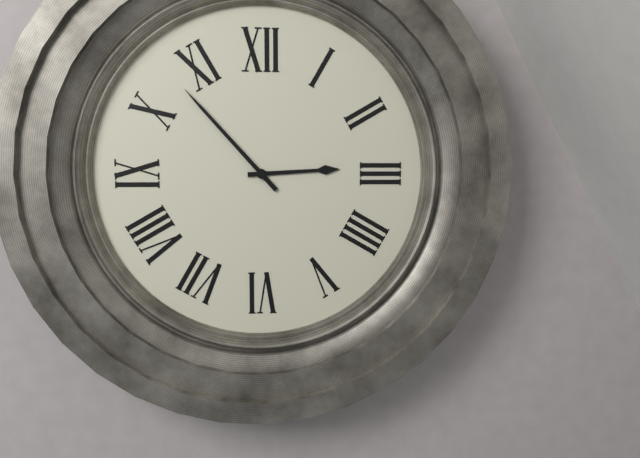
2 h 53 min
